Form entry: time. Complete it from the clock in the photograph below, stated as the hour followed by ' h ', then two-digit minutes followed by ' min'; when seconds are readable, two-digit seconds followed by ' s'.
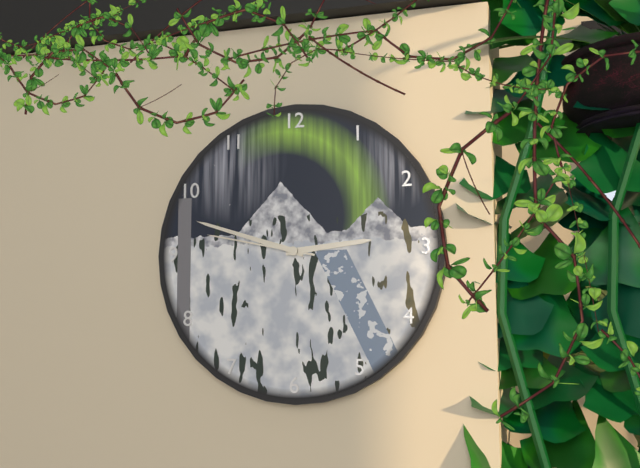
2 h 48 min 47 s
